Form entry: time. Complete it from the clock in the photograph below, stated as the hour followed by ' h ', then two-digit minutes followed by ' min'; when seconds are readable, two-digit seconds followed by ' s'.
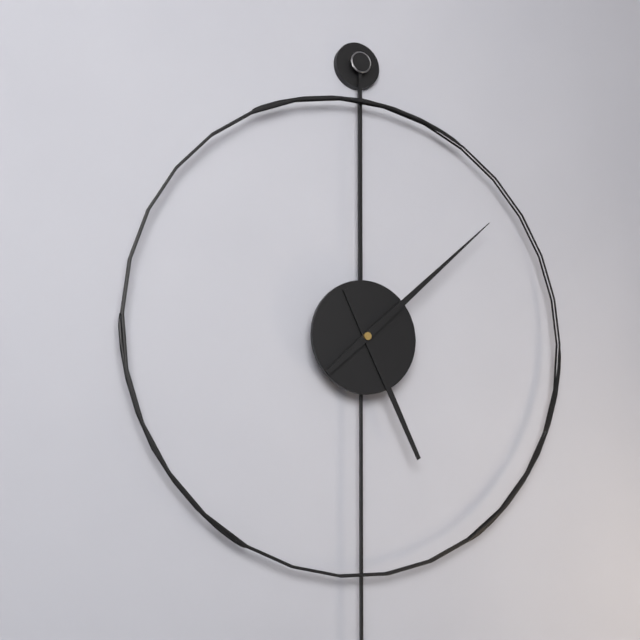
5 h 08 min
